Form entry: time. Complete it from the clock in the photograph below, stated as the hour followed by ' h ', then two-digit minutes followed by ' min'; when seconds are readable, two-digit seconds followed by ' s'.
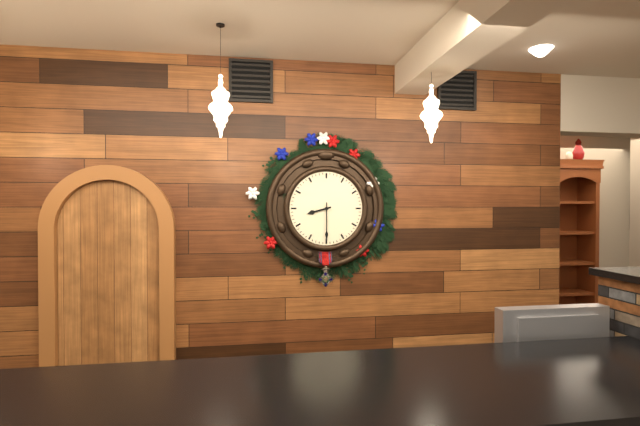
8 h 30 min
